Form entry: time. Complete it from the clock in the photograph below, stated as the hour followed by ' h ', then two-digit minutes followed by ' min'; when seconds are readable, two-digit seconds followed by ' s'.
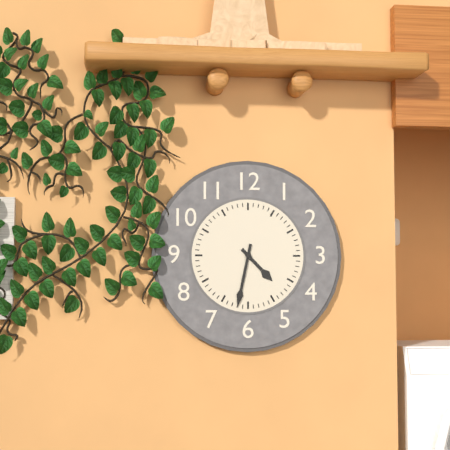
4 h 32 min
